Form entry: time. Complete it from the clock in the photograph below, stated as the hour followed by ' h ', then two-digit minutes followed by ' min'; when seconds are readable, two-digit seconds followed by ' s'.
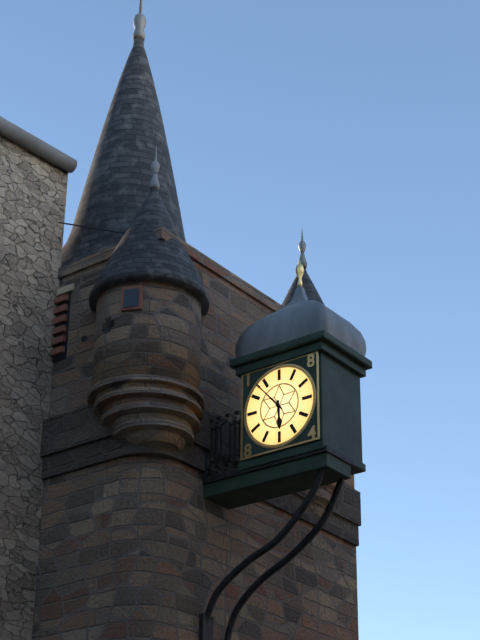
5 h 53 min
